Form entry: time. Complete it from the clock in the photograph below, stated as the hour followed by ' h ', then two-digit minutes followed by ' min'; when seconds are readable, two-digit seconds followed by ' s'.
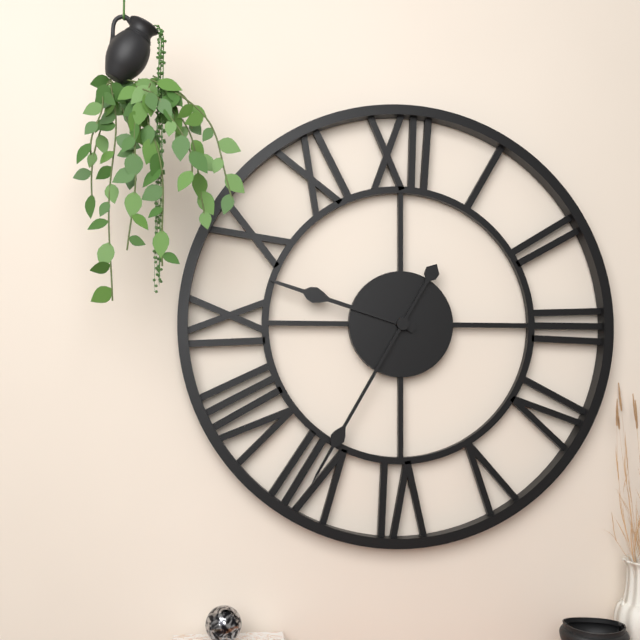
9 h 35 min
